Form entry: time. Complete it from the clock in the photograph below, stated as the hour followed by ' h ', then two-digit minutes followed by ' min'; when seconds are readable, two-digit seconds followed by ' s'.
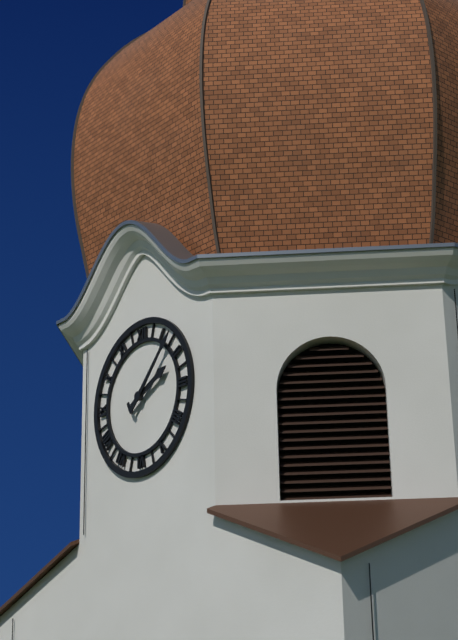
2 h 07 min
